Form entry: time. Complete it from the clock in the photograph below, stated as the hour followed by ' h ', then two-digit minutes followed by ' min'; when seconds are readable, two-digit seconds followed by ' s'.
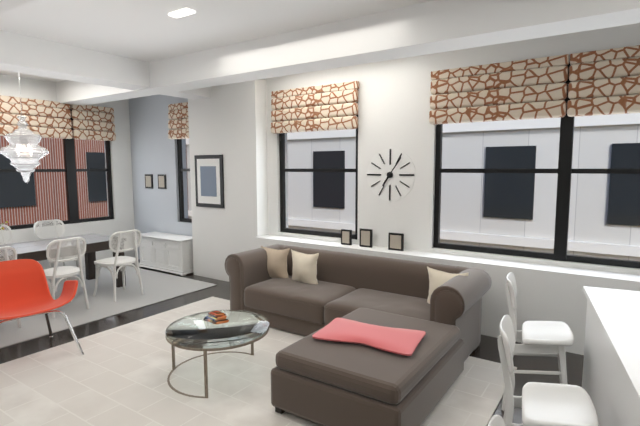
7 h 06 min
